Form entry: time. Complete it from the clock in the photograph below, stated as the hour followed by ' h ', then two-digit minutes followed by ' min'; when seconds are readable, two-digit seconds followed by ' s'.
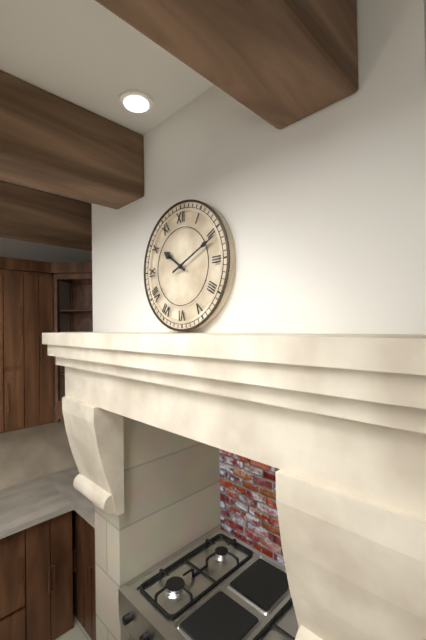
10 h 11 min
